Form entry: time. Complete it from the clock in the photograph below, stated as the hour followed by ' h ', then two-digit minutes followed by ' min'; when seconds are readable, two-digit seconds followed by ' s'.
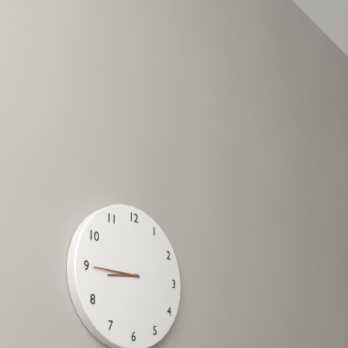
8 h 45 min
